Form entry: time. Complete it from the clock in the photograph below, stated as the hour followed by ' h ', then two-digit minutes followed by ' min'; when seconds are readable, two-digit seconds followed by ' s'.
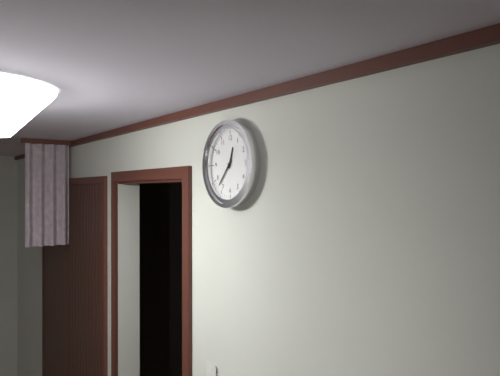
12 h 37 min
